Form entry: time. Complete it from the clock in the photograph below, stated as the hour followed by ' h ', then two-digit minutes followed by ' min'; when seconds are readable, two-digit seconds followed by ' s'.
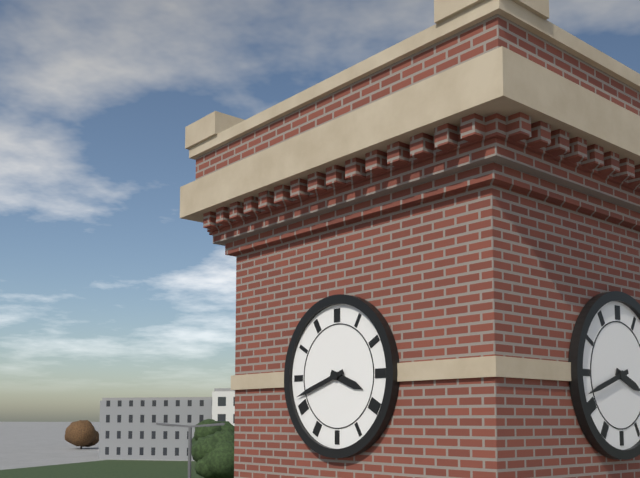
3 h 42 min
